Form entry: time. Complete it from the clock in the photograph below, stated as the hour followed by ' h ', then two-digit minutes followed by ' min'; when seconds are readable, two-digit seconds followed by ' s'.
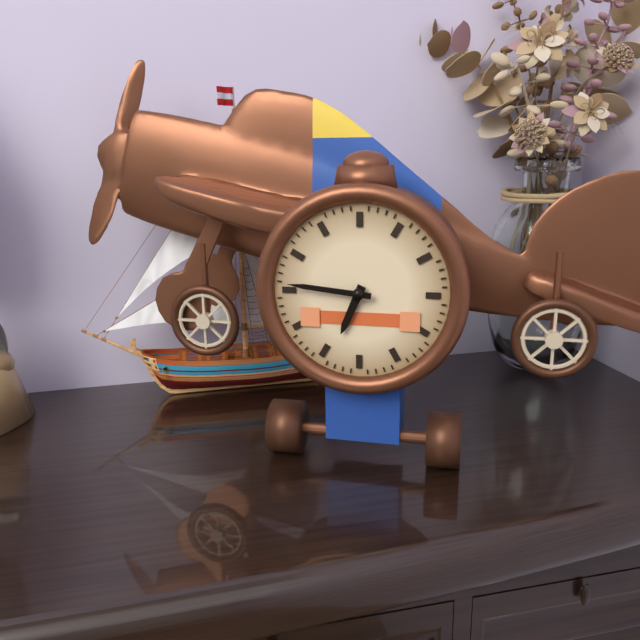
6 h 46 min
